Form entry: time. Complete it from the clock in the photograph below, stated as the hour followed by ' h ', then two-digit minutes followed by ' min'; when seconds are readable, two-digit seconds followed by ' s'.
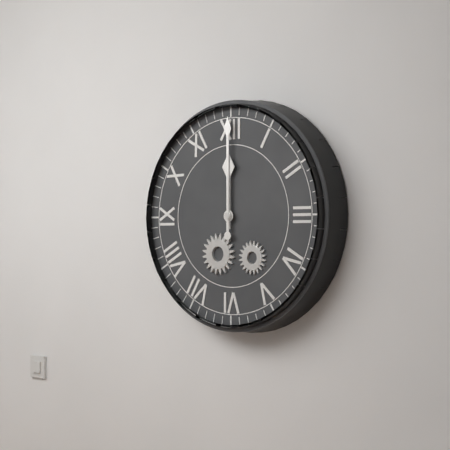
12 h 00 min
